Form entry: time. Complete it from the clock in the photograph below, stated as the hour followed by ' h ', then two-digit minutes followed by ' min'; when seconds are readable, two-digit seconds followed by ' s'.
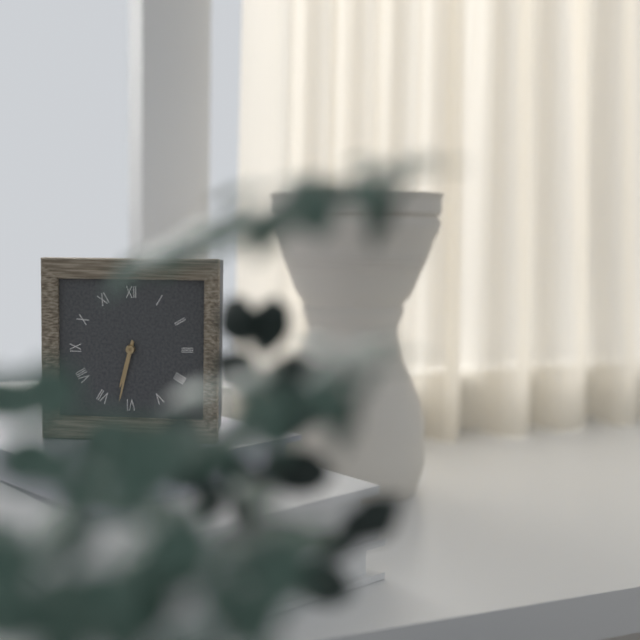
6 h 32 min
